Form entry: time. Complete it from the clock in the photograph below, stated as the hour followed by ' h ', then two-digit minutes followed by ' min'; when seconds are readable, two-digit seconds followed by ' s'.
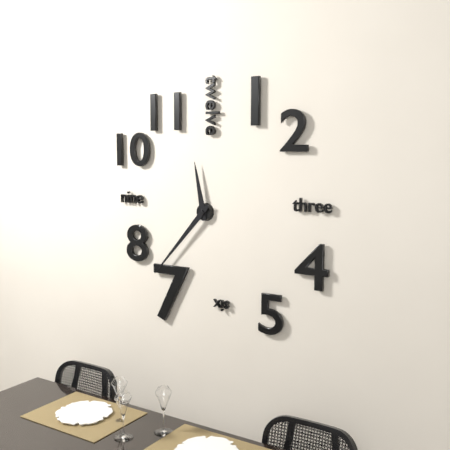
11 h 37 min
